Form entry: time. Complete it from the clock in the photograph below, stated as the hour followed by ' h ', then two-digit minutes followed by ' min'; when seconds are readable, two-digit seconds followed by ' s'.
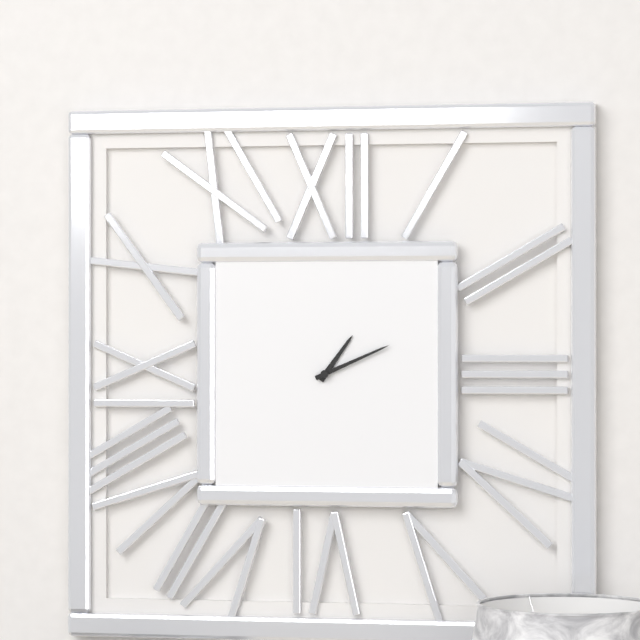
1 h 11 min
